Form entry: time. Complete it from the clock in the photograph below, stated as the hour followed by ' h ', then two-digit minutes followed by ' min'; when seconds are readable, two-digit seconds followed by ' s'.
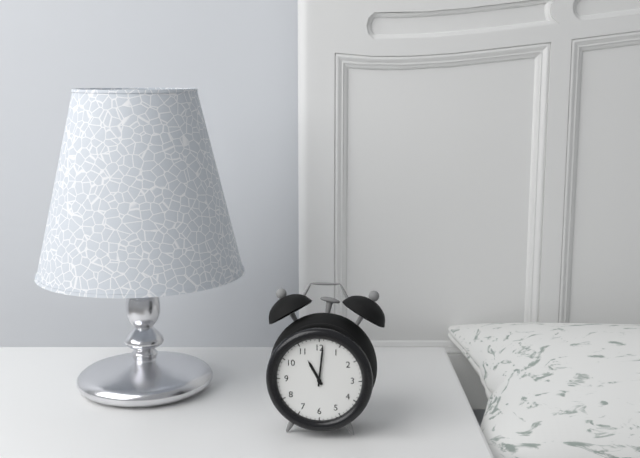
11 h 01 min
